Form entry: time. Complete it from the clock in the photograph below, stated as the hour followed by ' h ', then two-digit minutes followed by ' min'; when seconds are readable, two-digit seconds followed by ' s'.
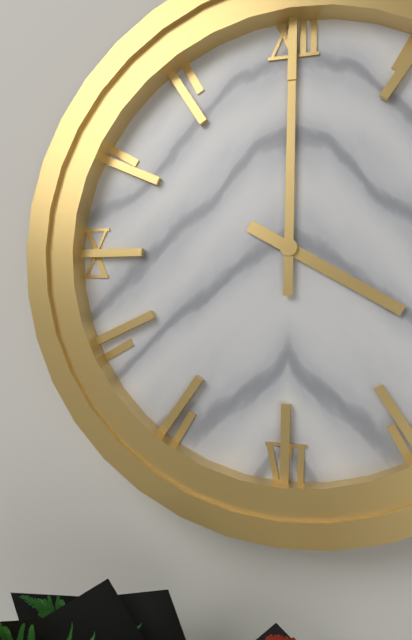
4 h 00 min
